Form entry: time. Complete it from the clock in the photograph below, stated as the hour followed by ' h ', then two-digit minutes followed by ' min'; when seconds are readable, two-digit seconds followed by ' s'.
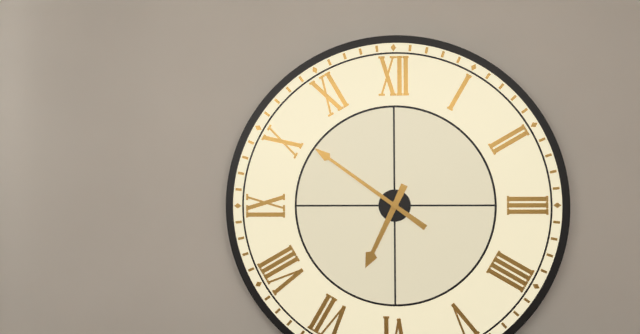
6 h 51 min
